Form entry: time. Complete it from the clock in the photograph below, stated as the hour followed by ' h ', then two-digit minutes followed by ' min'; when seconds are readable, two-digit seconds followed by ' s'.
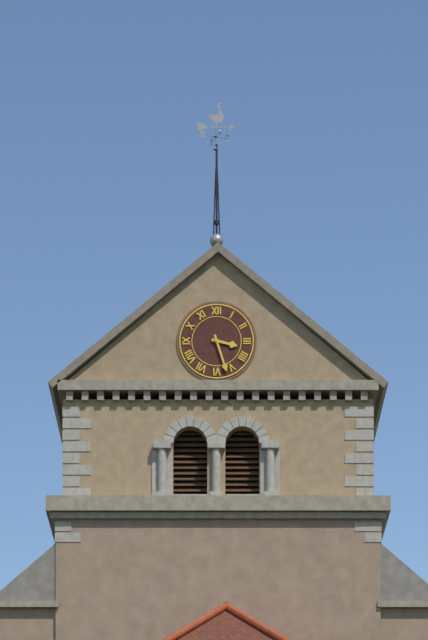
3 h 27 min
